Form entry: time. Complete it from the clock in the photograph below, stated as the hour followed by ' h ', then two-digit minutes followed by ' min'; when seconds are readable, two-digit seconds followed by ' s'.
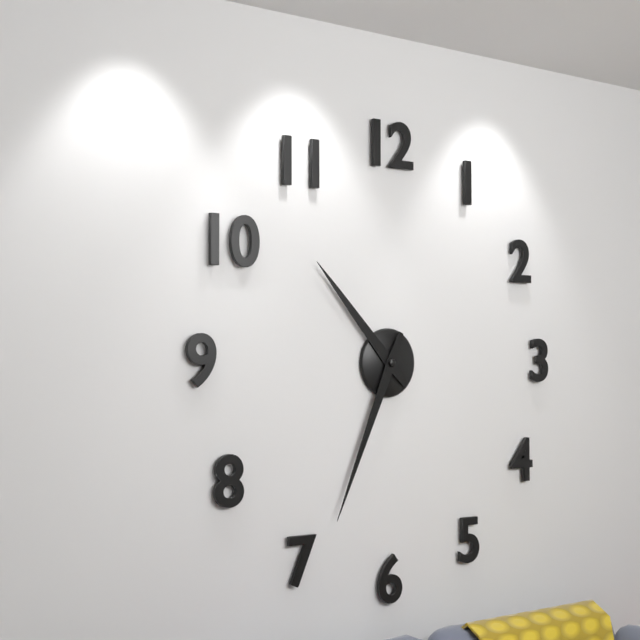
10 h 34 min
